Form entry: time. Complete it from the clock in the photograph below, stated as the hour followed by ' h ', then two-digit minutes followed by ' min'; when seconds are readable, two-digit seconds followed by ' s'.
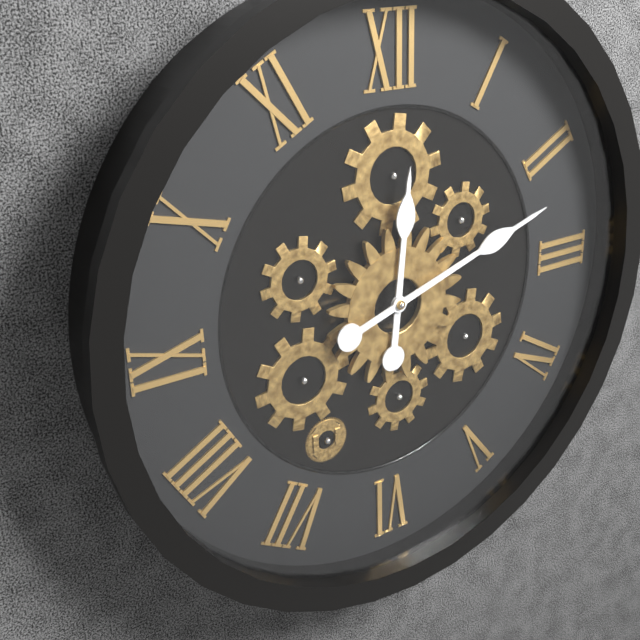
12 h 12 min
